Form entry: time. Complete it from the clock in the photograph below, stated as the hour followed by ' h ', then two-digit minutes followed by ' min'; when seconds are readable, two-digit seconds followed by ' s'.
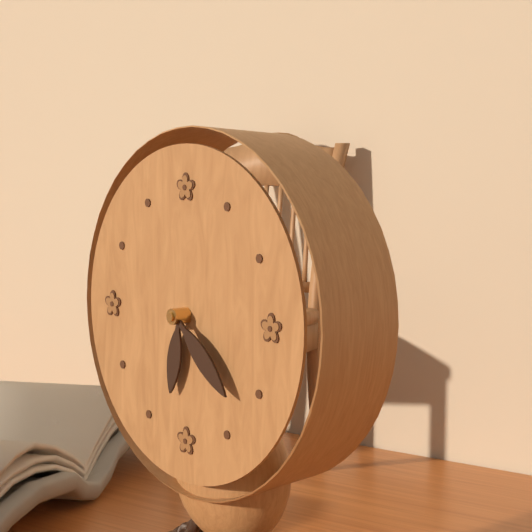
6 h 22 min
